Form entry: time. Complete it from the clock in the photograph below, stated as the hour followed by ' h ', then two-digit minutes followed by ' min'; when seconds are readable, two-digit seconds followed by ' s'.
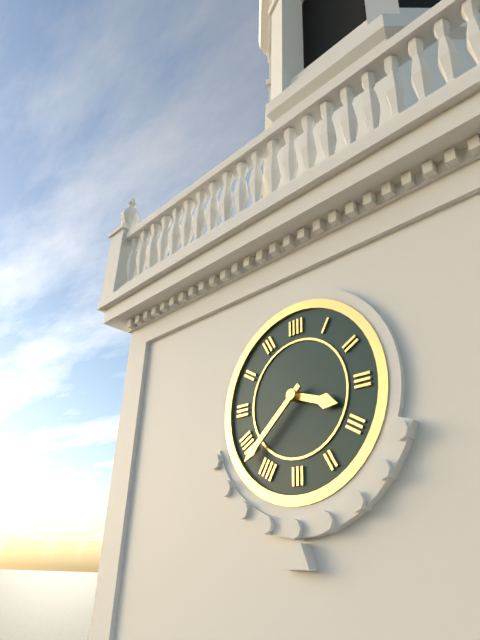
3 h 38 min
